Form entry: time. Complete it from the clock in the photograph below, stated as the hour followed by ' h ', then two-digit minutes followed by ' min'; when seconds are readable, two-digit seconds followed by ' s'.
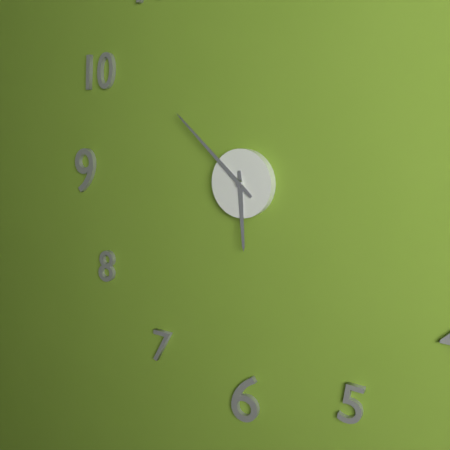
5 h 52 min
